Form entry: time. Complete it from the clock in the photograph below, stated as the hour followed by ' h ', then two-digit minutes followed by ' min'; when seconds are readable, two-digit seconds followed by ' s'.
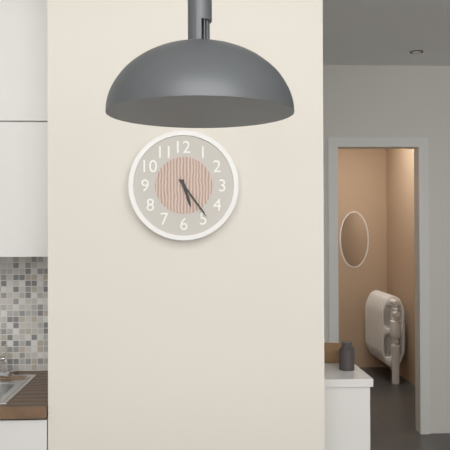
5 h 24 min
